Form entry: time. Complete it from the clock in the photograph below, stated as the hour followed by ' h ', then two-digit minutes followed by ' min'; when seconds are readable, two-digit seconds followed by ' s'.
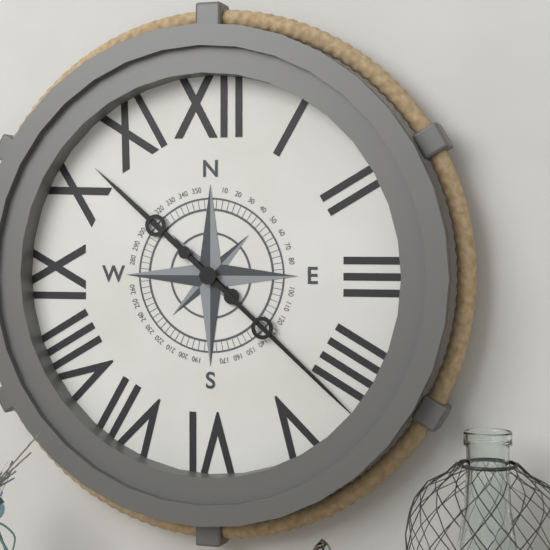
10 h 22 min
